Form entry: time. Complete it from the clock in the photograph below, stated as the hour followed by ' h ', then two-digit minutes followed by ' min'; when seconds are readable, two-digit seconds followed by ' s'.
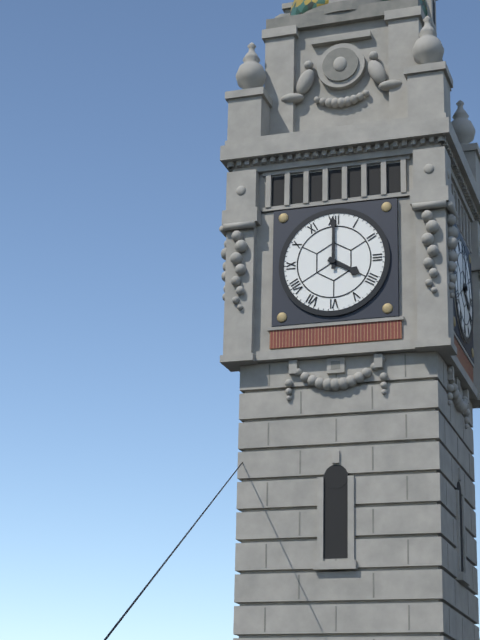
4 h 00 min
